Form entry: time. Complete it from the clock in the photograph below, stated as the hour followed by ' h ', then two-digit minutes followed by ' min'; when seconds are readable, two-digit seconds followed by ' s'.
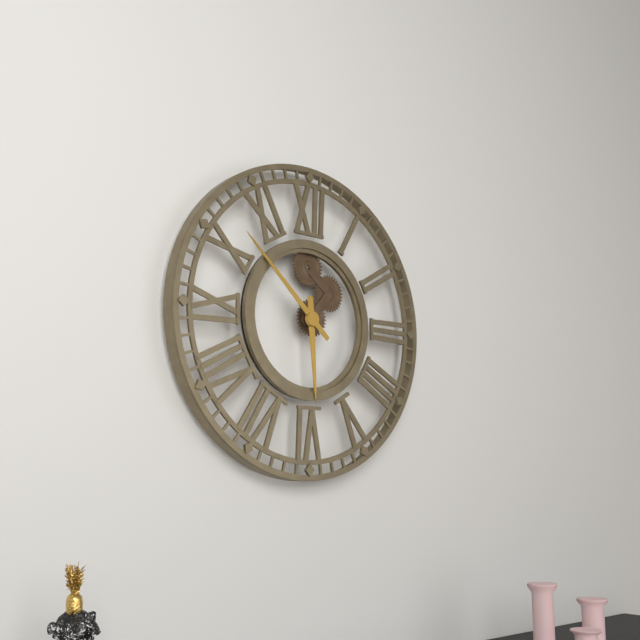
5 h 52 min
